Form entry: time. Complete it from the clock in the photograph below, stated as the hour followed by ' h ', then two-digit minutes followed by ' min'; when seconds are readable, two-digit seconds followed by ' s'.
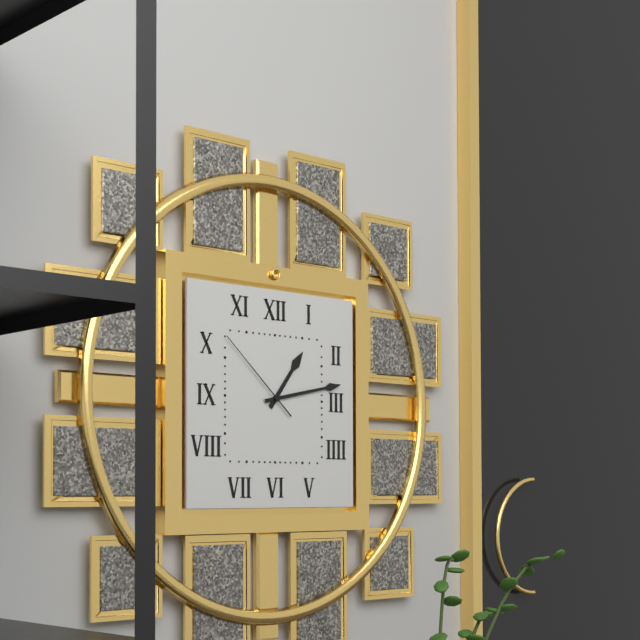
1 h 13 min 52 s
